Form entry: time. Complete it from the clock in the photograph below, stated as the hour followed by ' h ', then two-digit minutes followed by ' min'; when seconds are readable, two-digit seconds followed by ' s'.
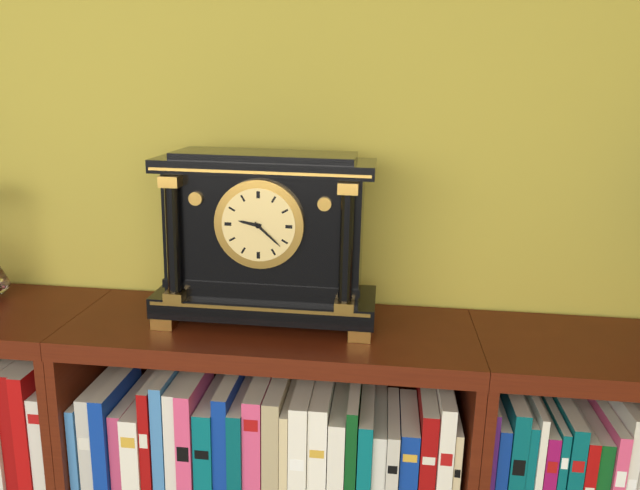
9 h 22 min
